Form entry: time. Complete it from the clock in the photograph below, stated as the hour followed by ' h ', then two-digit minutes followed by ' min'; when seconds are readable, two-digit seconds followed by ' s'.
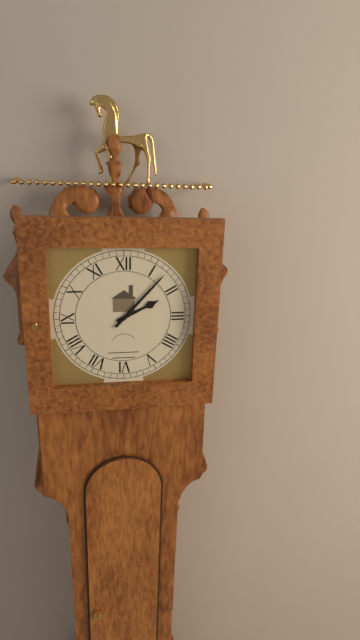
2 h 07 min
